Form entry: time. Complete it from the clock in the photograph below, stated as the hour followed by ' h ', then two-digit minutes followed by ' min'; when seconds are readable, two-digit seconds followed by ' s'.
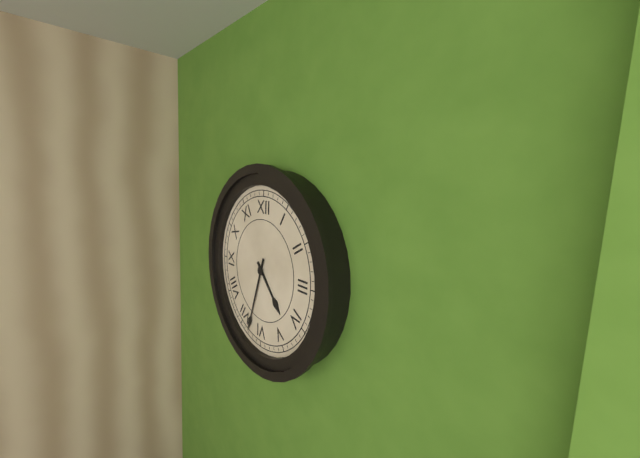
4 h 33 min
